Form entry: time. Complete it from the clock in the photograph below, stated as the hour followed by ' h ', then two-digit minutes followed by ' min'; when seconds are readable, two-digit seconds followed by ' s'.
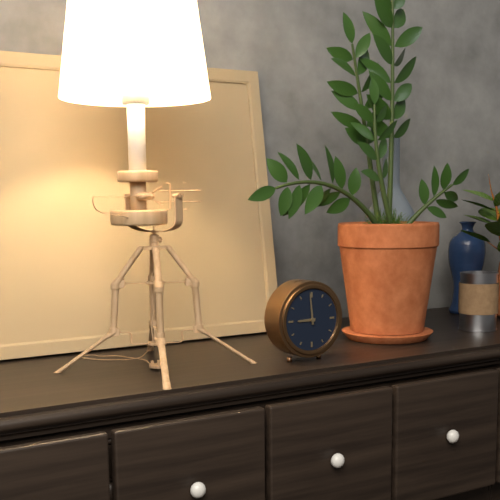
8 h 59 min
